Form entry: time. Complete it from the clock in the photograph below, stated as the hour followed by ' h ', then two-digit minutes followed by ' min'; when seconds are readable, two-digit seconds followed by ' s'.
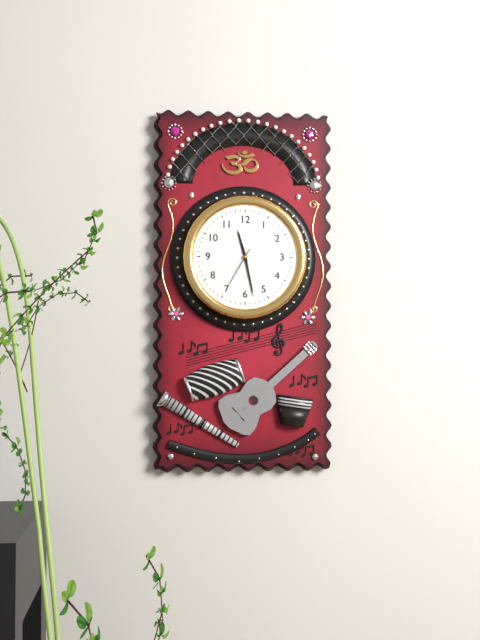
11 h 28 min
